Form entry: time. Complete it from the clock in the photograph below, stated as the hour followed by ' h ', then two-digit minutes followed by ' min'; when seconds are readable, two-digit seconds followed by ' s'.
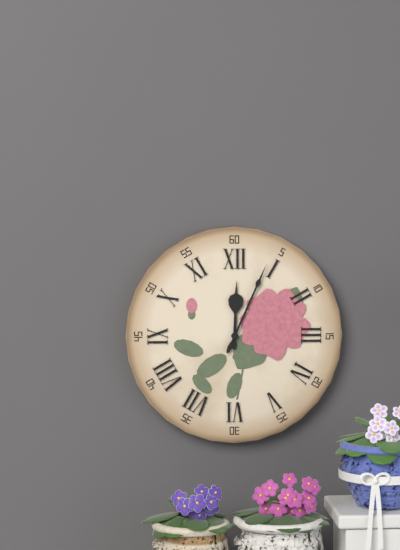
12 h 04 min
